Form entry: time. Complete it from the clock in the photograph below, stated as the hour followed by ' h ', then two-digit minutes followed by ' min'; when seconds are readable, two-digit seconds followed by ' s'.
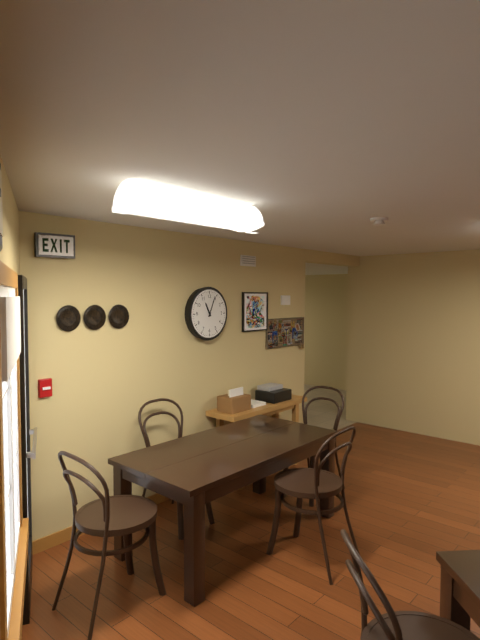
11 h 04 min
